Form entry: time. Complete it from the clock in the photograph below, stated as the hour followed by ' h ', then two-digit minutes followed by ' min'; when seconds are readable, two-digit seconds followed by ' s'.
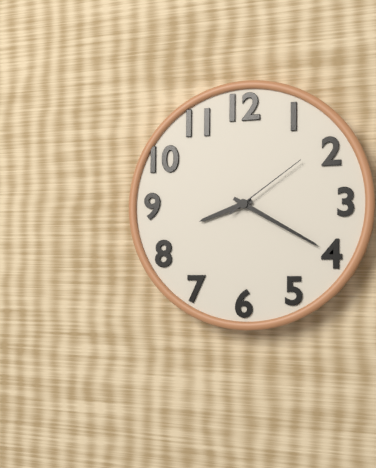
8 h 20 min 09 s
